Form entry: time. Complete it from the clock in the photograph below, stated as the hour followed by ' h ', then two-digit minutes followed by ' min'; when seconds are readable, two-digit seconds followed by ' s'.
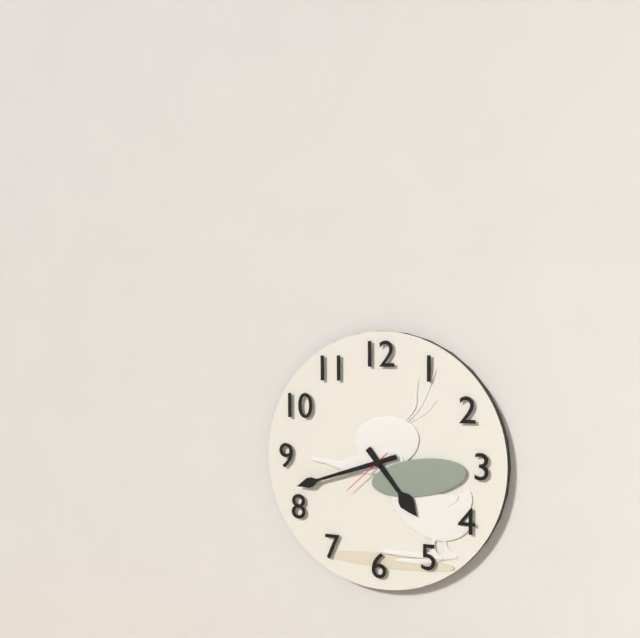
4 h 42 min 38 s
